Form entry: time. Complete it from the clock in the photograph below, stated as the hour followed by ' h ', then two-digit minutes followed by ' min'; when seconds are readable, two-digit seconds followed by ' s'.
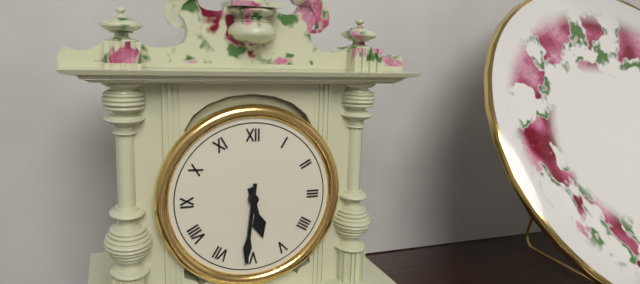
5 h 31 min
